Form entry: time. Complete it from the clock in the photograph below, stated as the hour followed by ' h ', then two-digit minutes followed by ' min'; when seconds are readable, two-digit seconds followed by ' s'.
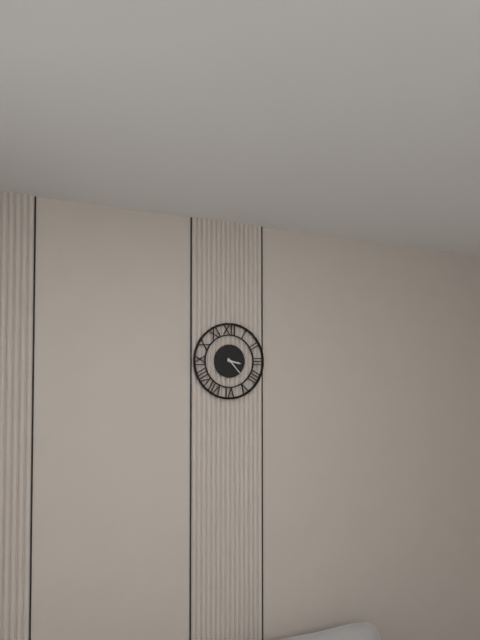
3 h 23 min
